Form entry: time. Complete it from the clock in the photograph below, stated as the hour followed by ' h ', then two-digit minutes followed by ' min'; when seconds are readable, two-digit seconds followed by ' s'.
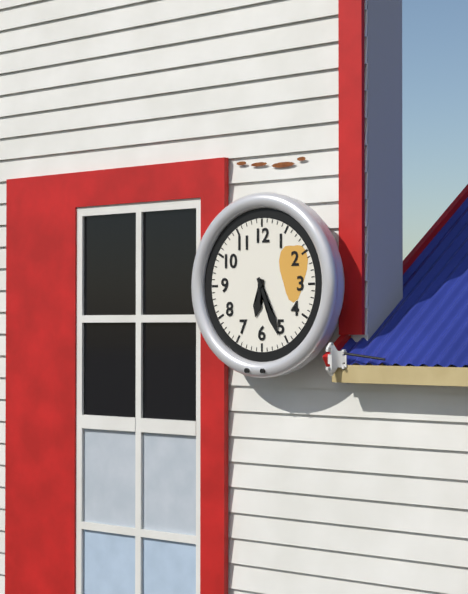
6 h 26 min
